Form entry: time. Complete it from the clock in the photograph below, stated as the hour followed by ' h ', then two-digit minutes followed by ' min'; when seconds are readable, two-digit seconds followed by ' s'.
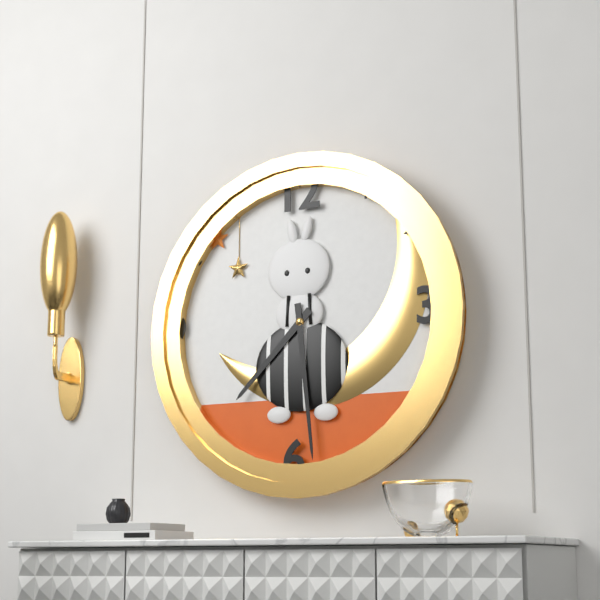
7 h 29 min
